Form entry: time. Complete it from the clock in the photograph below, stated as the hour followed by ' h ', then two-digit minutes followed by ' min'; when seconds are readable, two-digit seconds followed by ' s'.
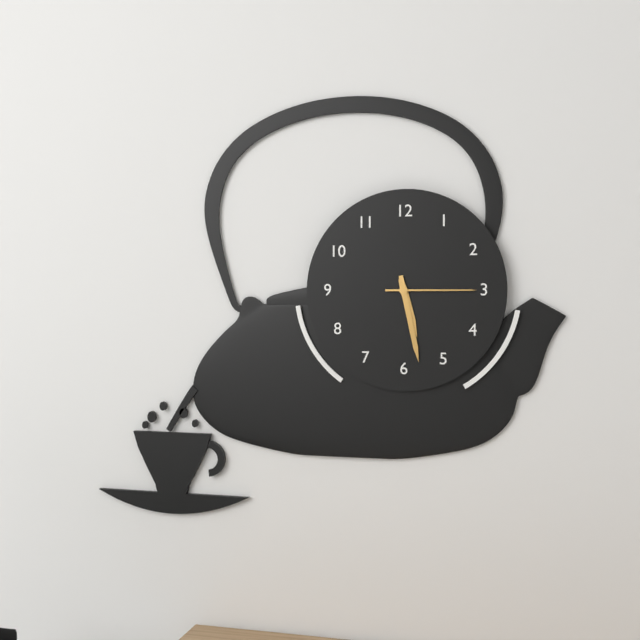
5 h 28 min 15 s
